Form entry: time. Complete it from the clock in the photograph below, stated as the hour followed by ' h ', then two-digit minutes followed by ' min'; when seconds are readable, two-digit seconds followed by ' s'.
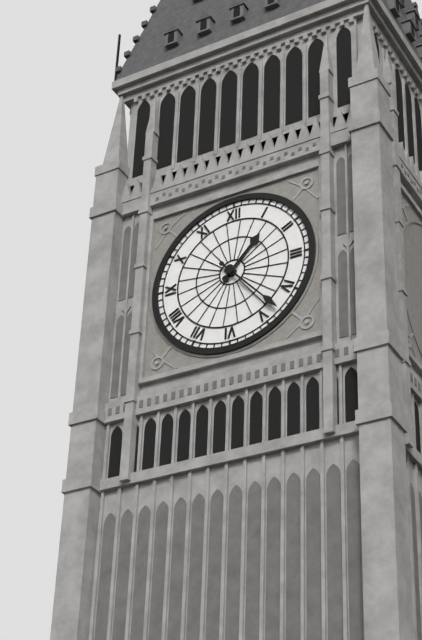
1 h 23 min
